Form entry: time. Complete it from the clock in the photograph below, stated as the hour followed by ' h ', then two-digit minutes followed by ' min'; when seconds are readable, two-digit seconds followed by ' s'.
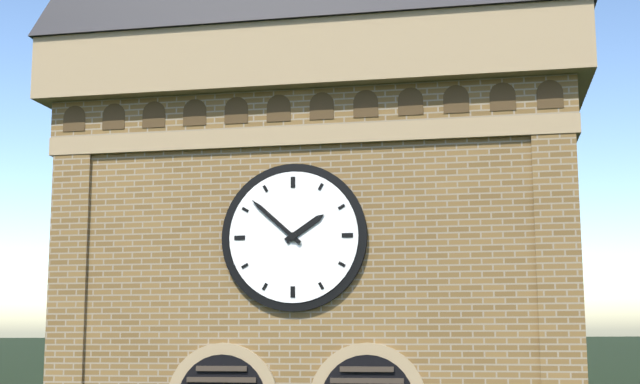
1 h 52 min
